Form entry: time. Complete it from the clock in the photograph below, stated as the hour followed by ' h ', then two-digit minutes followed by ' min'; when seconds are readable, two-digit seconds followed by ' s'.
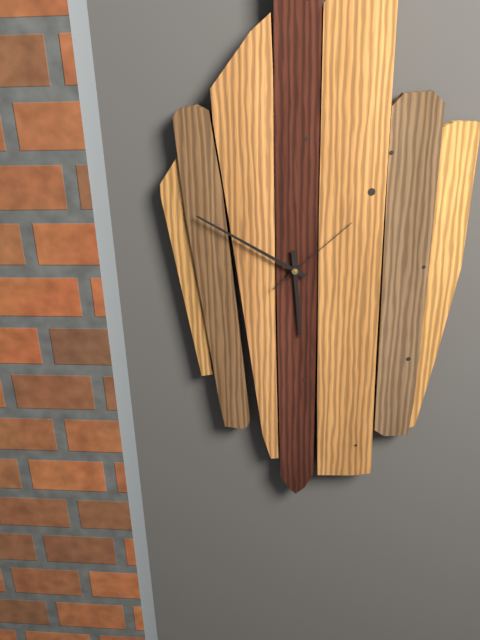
5 h 50 min 08 s
